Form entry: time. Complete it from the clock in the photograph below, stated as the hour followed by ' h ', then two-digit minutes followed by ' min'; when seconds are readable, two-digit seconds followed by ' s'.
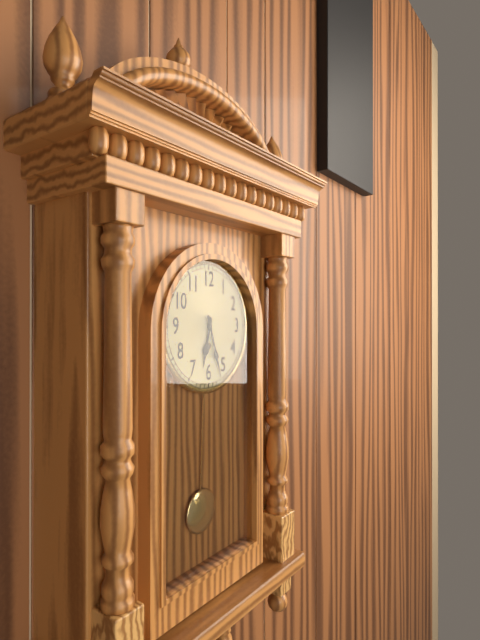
6 h 27 min
